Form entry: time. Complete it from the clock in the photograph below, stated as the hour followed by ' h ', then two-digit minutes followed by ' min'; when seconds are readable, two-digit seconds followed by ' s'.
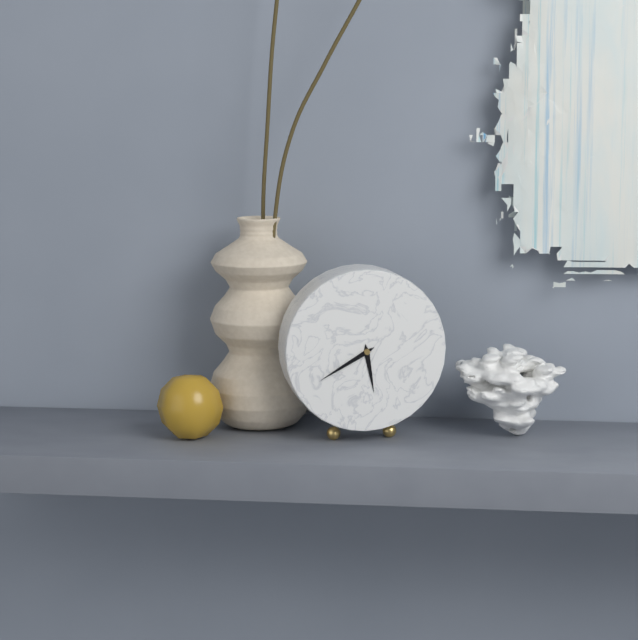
5 h 40 min
